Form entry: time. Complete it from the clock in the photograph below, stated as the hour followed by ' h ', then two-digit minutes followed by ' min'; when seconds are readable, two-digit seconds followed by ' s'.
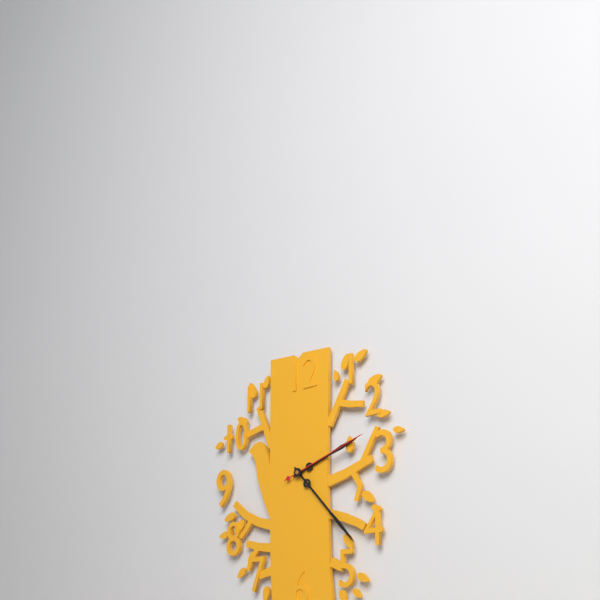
2 h 23 min 12 s
